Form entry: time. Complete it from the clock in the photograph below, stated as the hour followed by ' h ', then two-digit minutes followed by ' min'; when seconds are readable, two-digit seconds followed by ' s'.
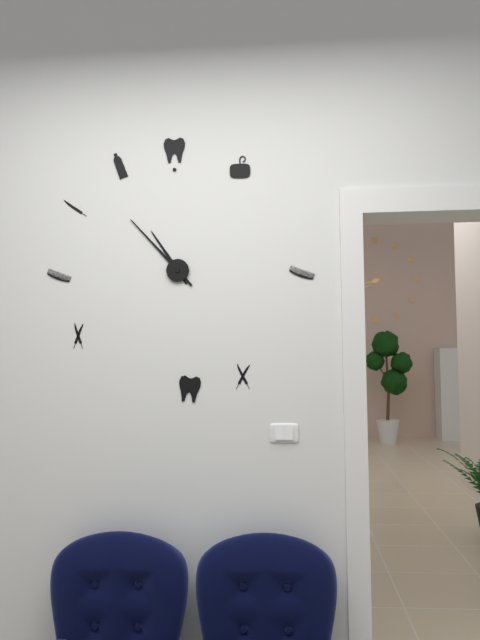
10 h 53 min
